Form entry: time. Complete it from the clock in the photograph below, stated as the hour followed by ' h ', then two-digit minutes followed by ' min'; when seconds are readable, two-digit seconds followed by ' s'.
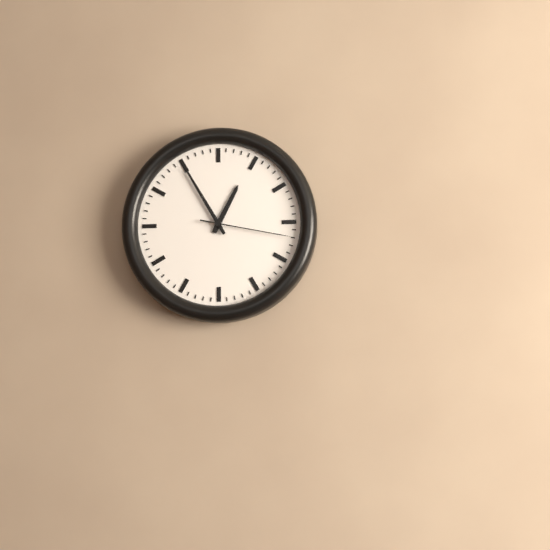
12 h 55 min 17 s
